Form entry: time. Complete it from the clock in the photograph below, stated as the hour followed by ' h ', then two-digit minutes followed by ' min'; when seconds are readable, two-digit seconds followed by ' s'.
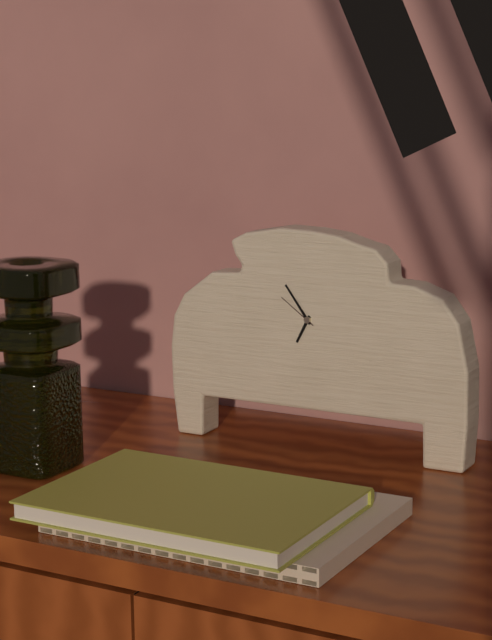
6 h 54 min
